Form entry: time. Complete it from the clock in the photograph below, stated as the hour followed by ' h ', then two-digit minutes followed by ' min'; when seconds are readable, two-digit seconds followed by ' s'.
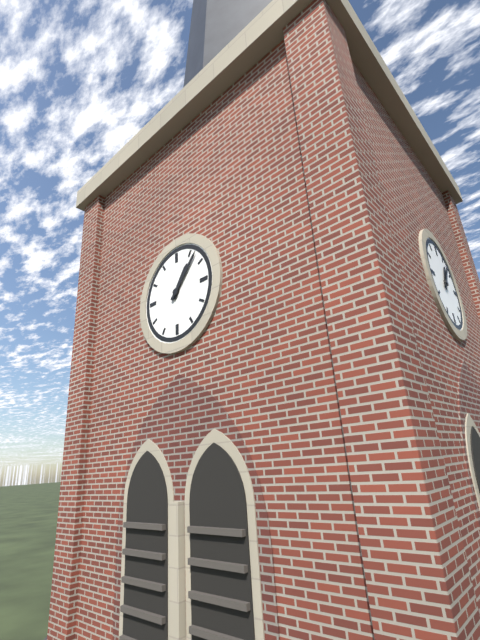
1 h 07 min
